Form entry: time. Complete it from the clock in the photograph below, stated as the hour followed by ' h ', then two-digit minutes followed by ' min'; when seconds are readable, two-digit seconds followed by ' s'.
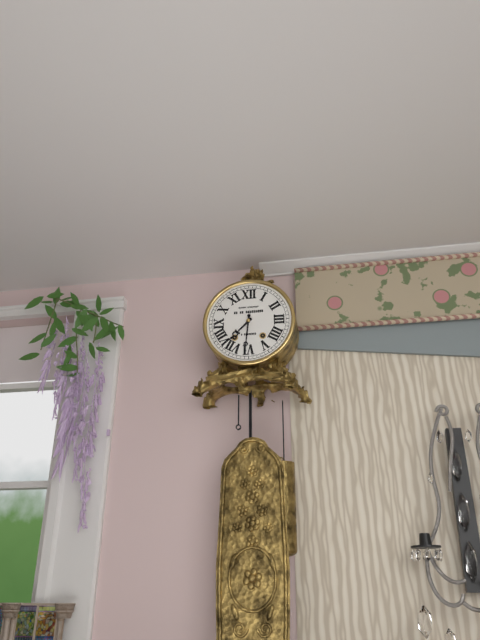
7 h 31 min
